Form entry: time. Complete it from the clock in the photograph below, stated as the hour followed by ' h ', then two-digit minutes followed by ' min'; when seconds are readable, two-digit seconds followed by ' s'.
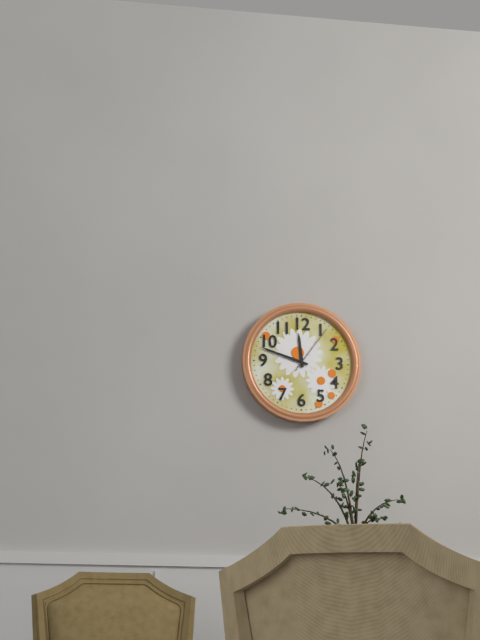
11 h 48 min 06 s
